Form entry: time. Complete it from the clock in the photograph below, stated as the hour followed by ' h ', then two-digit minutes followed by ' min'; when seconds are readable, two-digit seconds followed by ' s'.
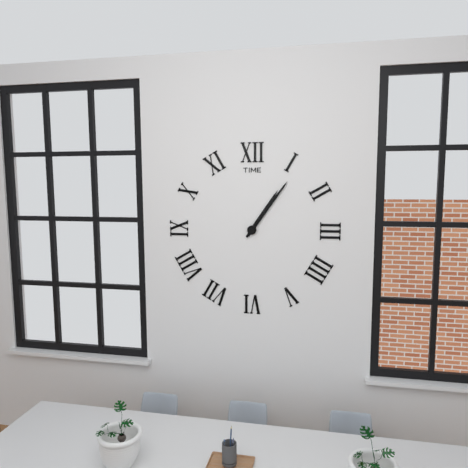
1 h 06 min
